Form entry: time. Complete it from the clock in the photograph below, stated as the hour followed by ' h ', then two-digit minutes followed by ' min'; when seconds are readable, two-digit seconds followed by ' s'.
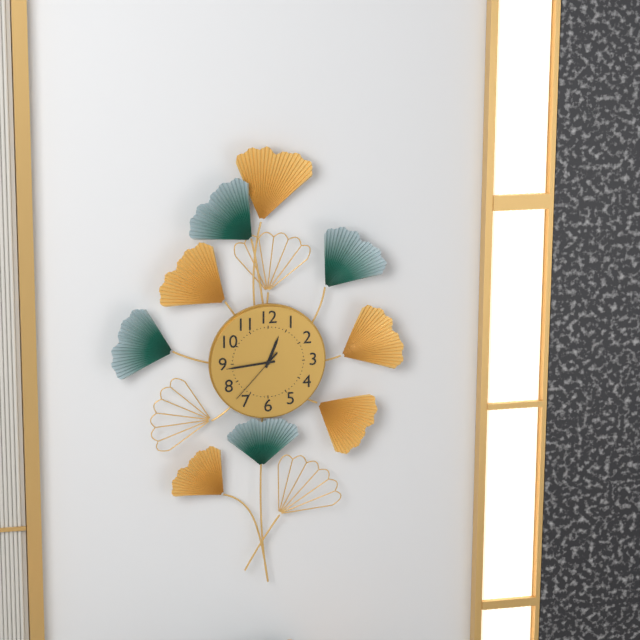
12 h 44 min 37 s
